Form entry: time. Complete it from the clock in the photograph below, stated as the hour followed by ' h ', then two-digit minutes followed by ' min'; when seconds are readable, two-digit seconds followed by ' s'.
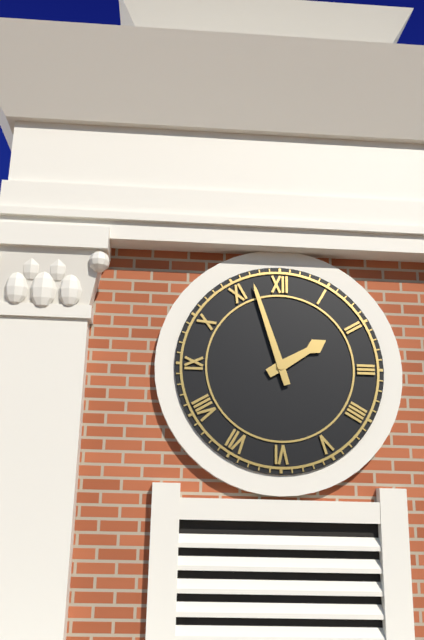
1 h 57 min
